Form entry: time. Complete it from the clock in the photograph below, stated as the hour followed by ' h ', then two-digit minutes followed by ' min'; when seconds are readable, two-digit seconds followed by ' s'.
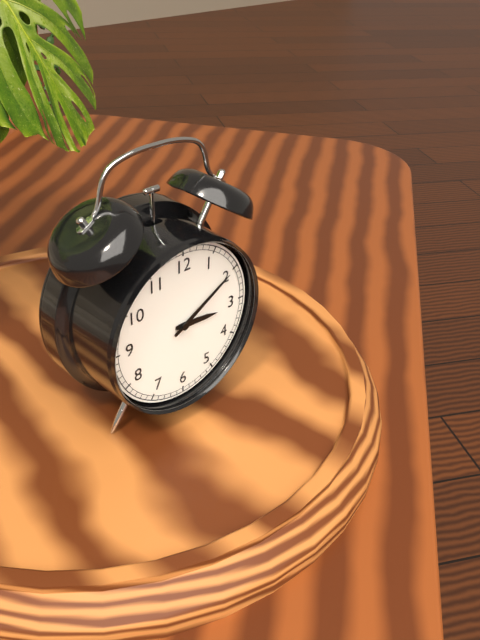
3 h 10 min
